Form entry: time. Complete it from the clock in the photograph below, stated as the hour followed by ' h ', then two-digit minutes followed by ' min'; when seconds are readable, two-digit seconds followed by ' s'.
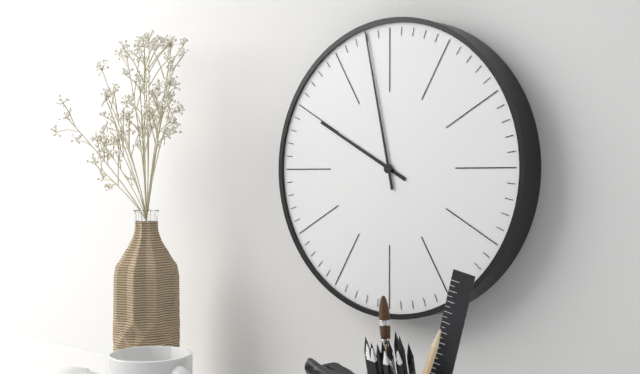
9 h 58 min
